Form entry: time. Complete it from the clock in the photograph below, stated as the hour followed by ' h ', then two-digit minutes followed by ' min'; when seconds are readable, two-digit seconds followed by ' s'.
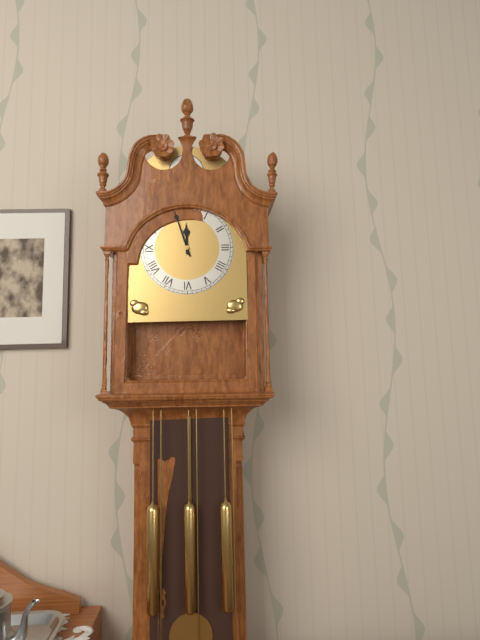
11 h 57 min
